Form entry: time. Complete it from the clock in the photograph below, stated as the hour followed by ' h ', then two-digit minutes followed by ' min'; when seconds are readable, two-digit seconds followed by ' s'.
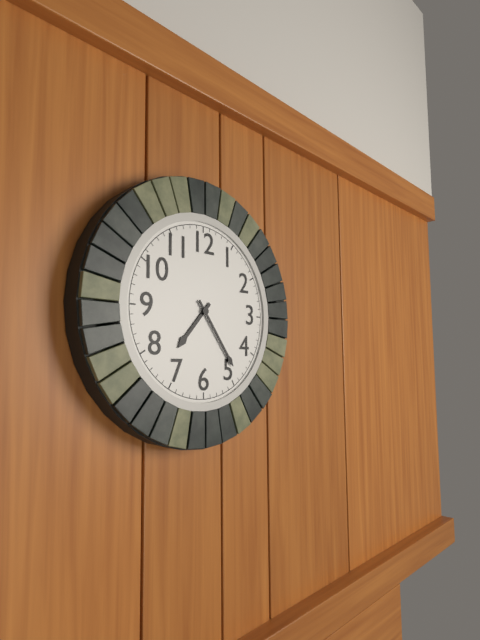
7 h 24 min
